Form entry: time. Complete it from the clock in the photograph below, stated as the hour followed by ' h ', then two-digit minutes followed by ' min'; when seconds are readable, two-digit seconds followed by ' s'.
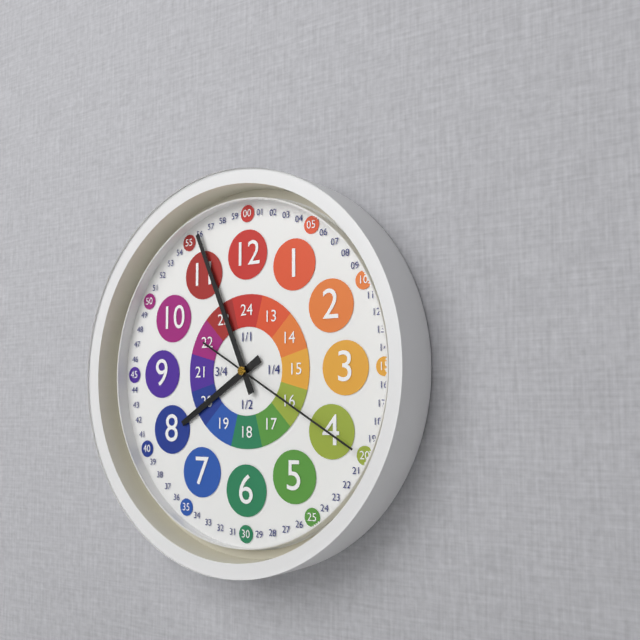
7 h 56 min 20 s
